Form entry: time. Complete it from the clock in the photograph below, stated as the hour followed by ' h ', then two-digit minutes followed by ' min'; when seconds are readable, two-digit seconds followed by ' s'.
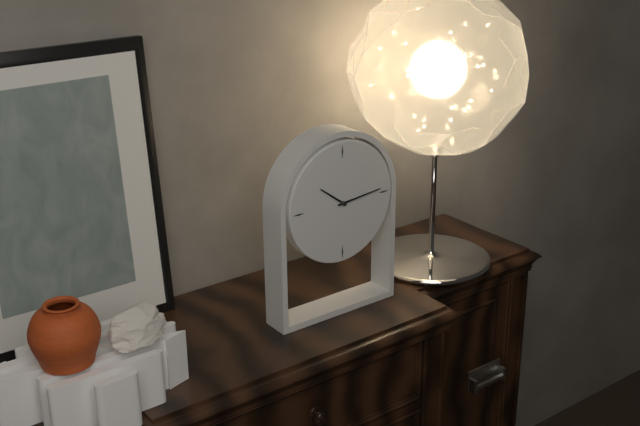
10 h 14 min
